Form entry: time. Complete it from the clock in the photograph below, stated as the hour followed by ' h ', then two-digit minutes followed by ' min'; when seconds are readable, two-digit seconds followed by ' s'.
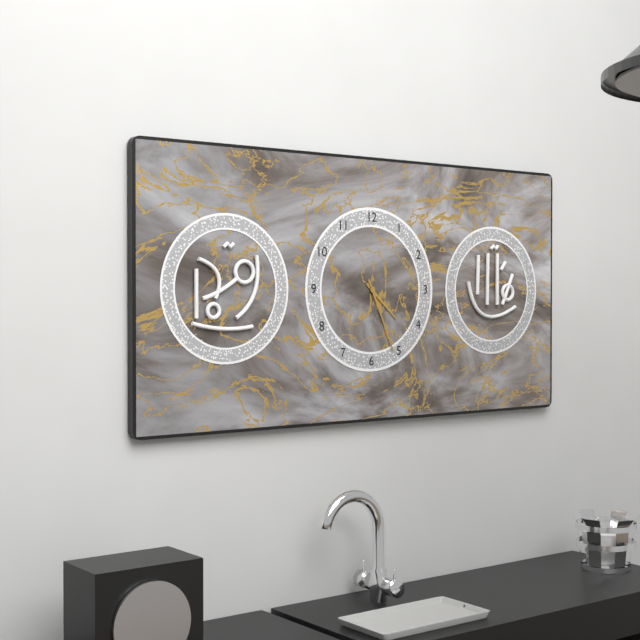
4 h 26 min
